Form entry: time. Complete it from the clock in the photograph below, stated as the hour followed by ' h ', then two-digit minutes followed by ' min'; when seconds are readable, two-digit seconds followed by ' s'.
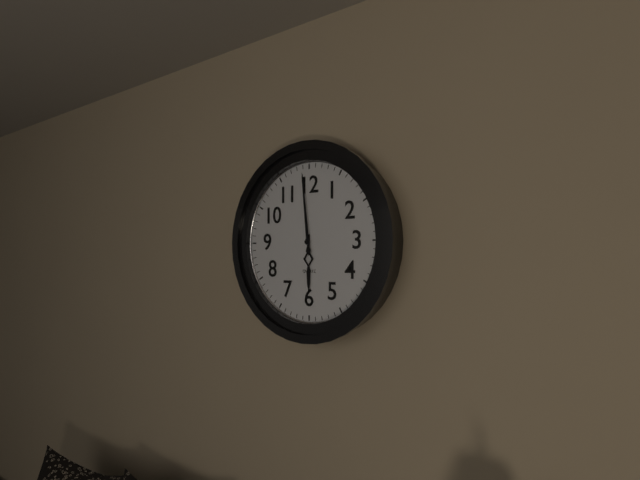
5 h 59 min
